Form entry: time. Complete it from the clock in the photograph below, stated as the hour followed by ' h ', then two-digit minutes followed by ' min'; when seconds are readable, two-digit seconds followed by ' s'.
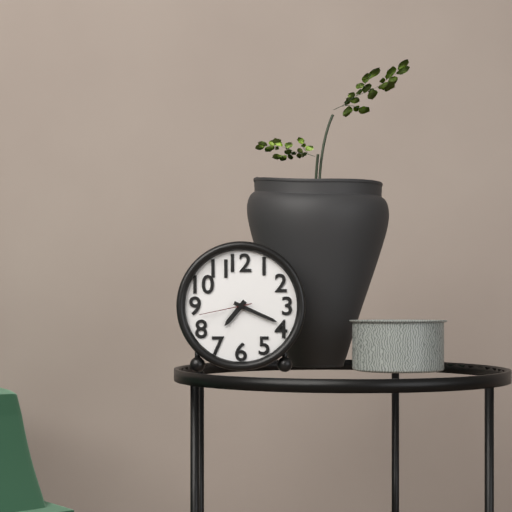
7 h 19 min 43 s
